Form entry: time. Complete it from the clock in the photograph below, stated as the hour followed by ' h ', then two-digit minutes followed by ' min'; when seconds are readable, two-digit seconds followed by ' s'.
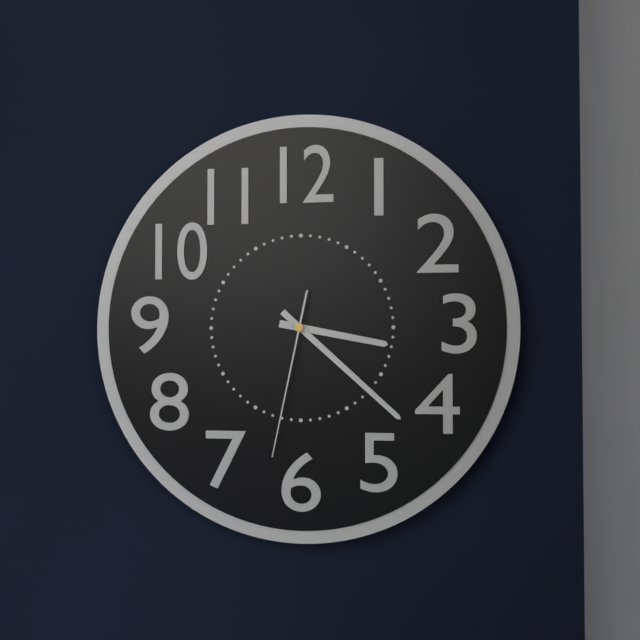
3 h 22 min 32 s
